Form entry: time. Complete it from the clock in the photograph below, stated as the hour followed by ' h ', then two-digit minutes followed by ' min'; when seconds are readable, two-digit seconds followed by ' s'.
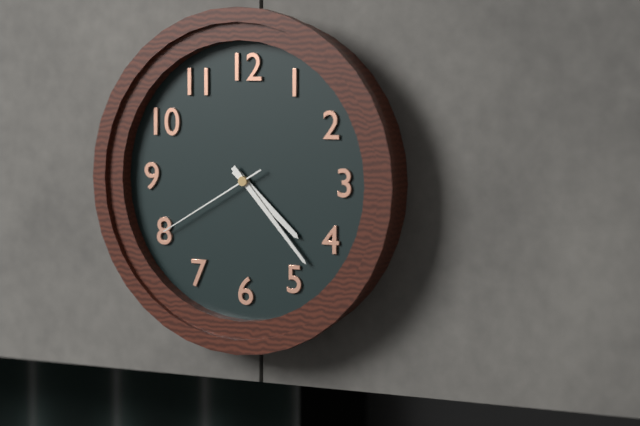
4 h 23 min 40 s
